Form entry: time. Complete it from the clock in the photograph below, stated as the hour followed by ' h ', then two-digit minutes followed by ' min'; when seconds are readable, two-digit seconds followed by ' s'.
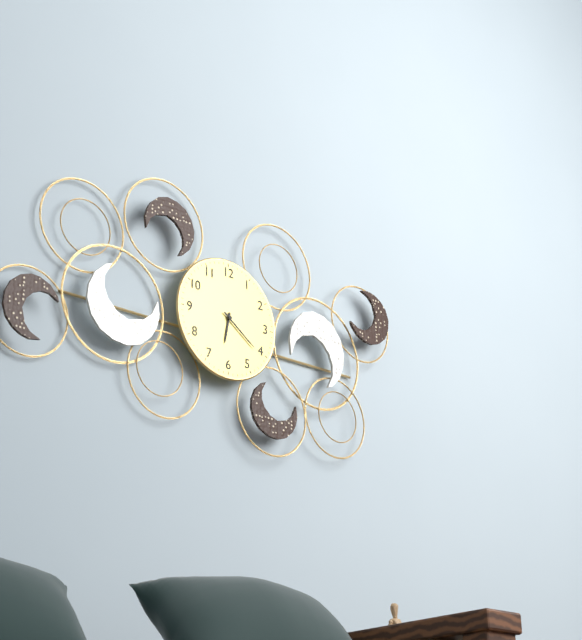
6 h 21 min
